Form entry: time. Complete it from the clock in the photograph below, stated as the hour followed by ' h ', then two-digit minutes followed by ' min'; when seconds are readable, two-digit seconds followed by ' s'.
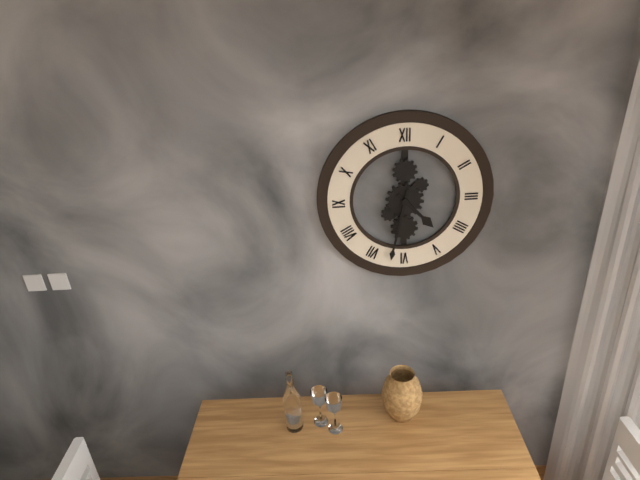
4 h 32 min
